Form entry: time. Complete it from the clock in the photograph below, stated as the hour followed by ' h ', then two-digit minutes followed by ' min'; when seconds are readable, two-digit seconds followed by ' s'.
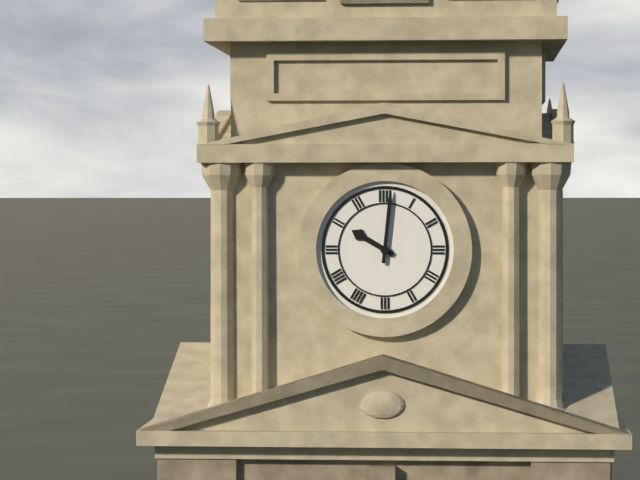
10 h 01 min
